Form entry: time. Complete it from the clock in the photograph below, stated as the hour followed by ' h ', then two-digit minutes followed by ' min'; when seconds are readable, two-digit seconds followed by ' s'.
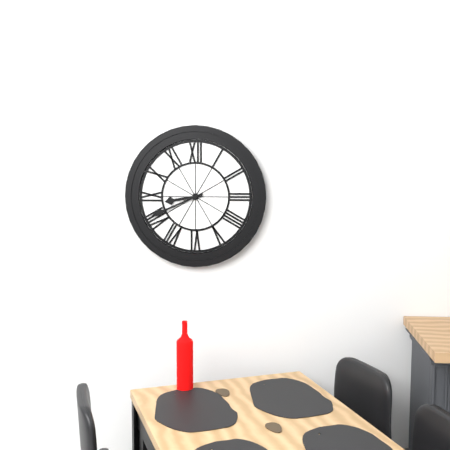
8 h 41 min
